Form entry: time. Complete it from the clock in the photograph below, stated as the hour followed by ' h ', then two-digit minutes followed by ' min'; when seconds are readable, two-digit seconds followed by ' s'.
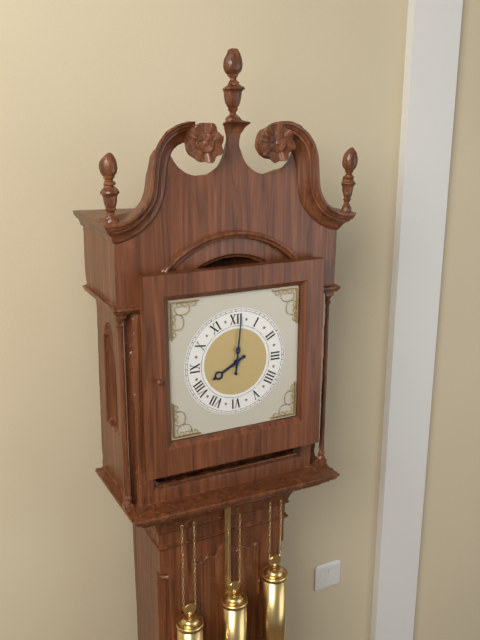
8 h 01 min
